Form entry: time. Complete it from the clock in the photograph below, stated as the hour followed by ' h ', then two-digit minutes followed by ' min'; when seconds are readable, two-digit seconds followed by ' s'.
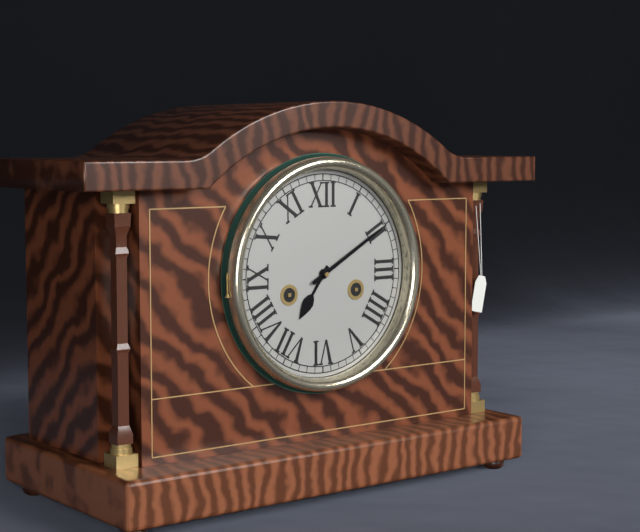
7 h 10 min
